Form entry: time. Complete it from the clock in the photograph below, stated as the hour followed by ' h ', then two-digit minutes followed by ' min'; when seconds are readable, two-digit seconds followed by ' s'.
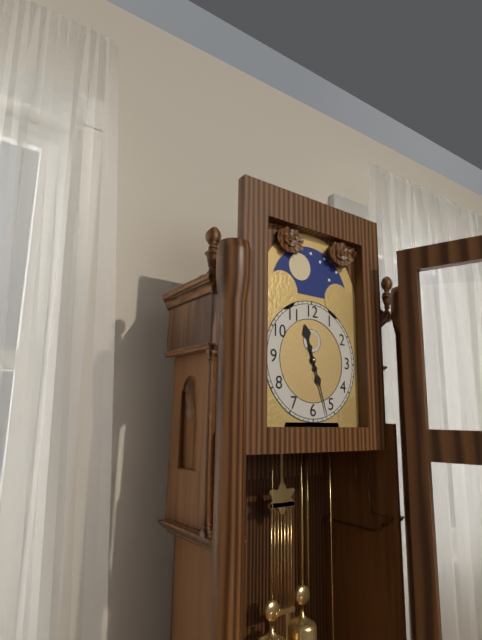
11 h 27 min
